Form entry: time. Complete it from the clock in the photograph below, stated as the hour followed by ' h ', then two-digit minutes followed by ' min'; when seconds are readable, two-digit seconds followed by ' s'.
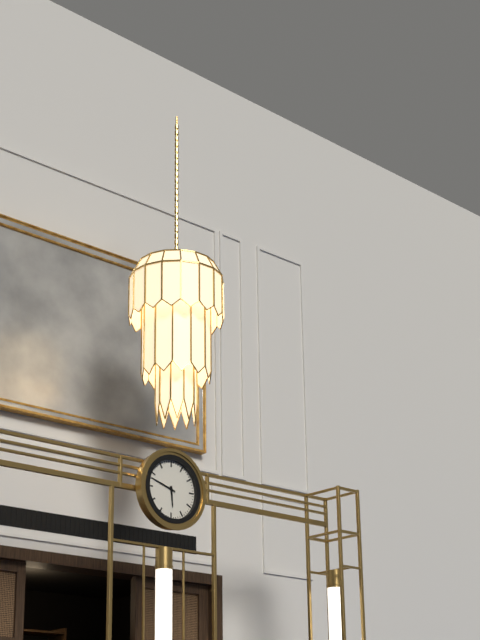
5 h 48 min
